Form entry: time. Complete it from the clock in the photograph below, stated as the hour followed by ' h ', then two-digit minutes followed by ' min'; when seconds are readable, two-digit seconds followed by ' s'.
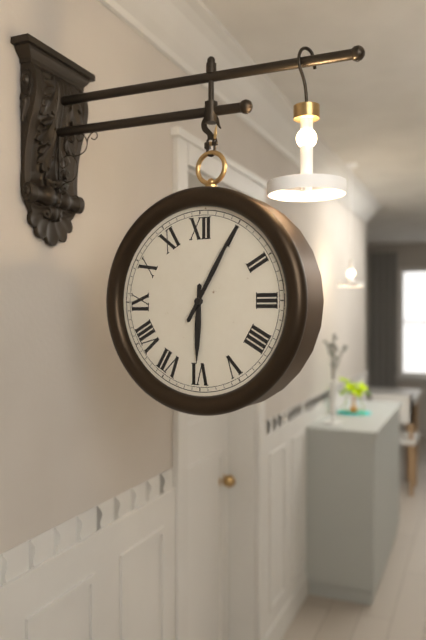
6 h 05 min
